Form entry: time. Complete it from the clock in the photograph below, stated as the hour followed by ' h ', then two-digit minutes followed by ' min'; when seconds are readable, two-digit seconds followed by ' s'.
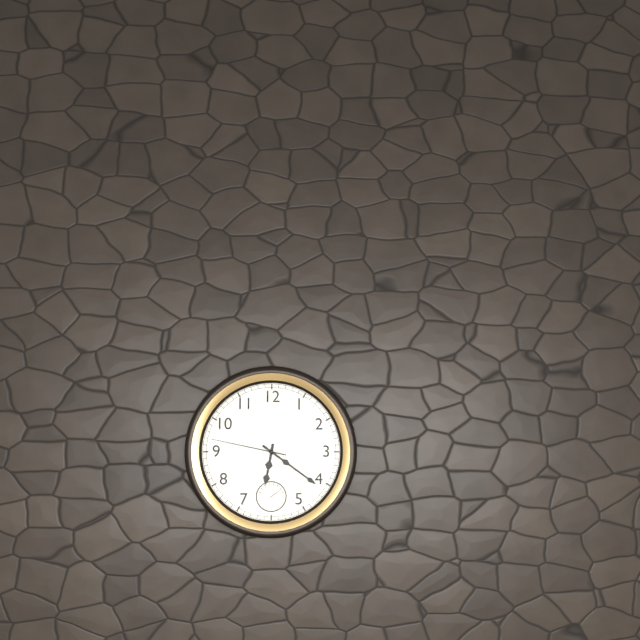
6 h 21 min 47 s
